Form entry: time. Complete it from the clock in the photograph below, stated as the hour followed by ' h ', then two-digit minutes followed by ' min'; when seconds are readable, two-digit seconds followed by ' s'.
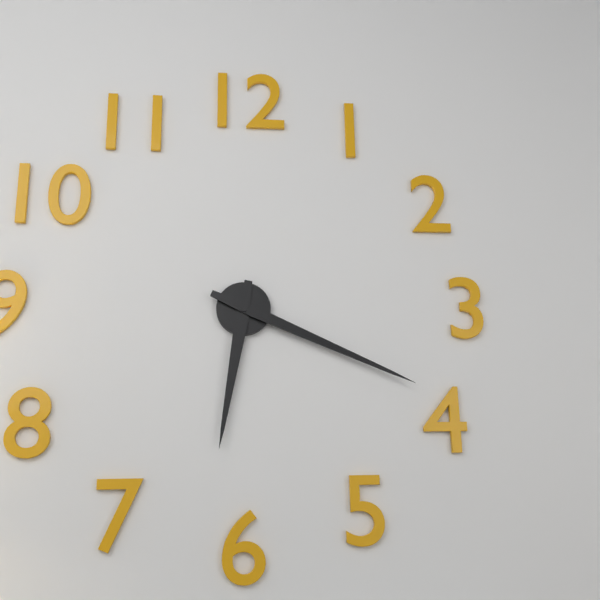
6 h 19 min
